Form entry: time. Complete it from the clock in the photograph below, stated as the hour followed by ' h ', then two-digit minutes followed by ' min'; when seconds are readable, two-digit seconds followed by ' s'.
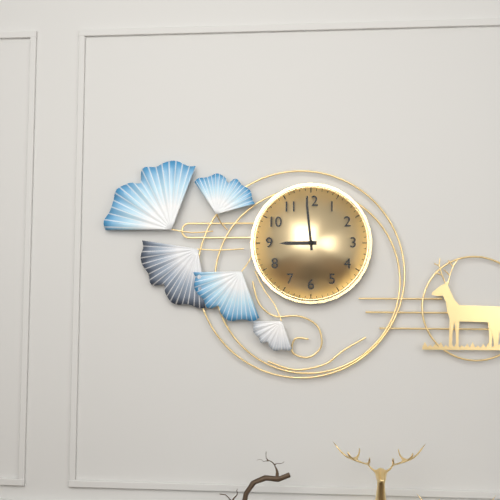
8 h 59 min
